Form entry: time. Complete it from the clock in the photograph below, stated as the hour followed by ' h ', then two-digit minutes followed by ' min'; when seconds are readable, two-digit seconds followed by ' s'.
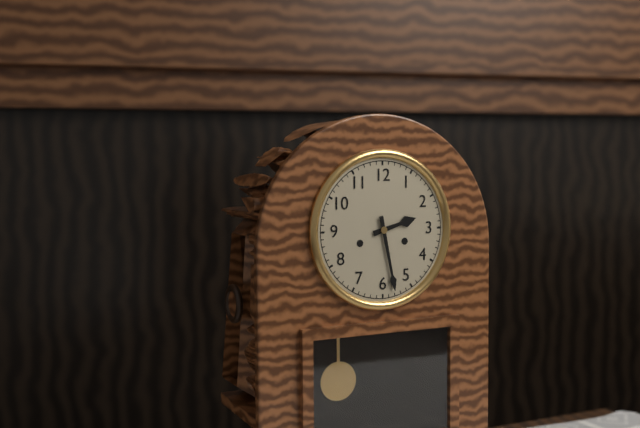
2 h 28 min
